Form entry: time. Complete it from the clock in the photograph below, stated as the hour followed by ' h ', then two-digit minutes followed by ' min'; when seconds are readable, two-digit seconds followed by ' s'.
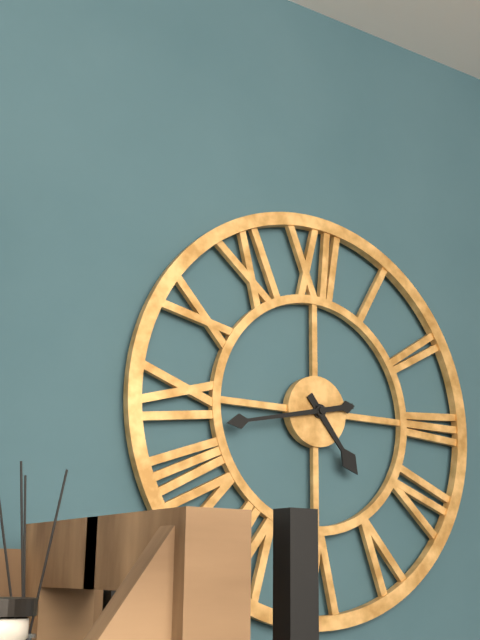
4 h 43 min
